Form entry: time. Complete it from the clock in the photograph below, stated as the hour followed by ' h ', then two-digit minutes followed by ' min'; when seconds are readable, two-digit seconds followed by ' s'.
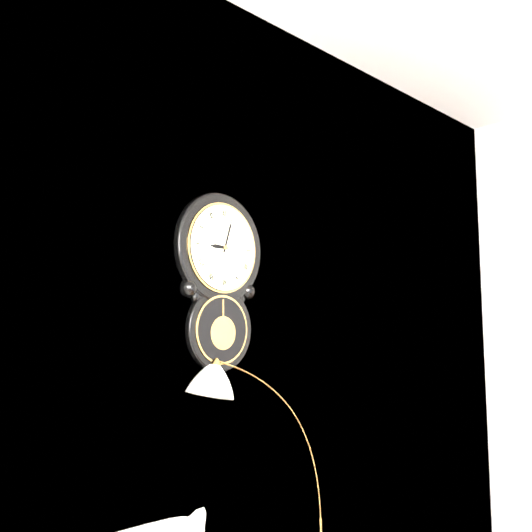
9 h 03 min
